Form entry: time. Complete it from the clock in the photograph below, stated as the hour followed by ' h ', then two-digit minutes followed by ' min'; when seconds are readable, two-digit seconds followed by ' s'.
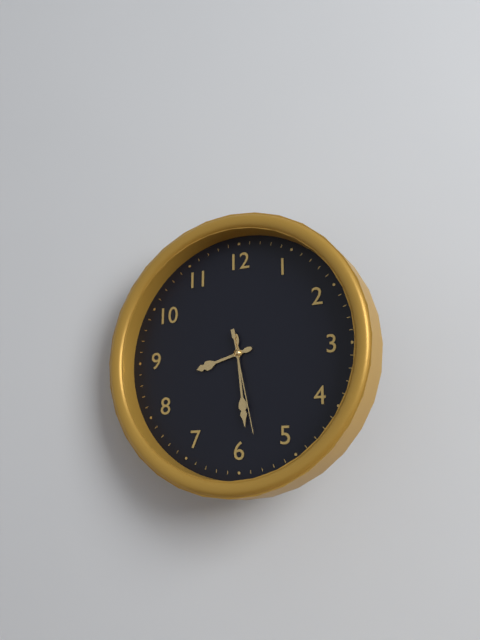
8 h 29 min 28 s
